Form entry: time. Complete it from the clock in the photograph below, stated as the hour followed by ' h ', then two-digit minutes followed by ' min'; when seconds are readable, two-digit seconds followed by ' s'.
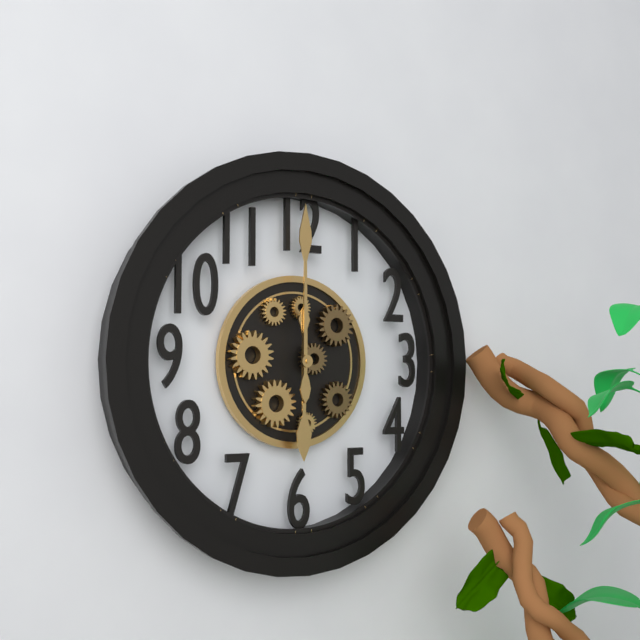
6 h 00 min
